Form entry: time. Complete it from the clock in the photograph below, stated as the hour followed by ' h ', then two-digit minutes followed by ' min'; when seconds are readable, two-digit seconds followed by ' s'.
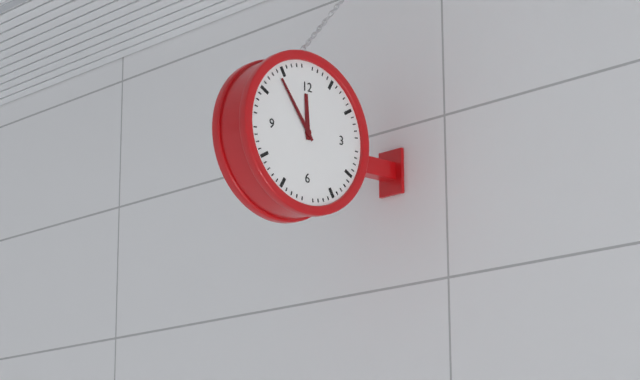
11 h 54 min
